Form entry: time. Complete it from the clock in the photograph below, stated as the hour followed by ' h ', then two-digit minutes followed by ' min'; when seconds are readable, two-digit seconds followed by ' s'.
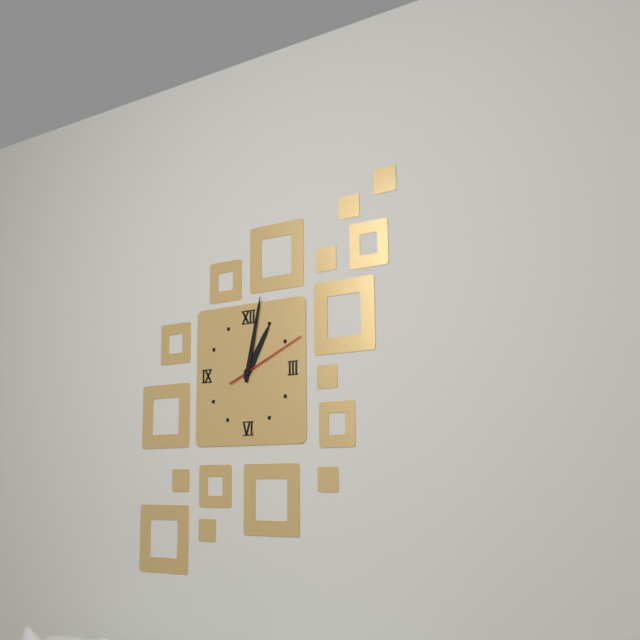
1 h 02 min 11 s
